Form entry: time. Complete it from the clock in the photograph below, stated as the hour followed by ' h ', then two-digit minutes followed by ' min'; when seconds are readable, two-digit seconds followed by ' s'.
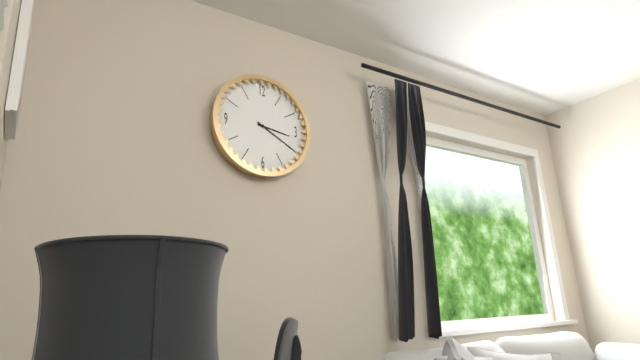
3 h 20 min
